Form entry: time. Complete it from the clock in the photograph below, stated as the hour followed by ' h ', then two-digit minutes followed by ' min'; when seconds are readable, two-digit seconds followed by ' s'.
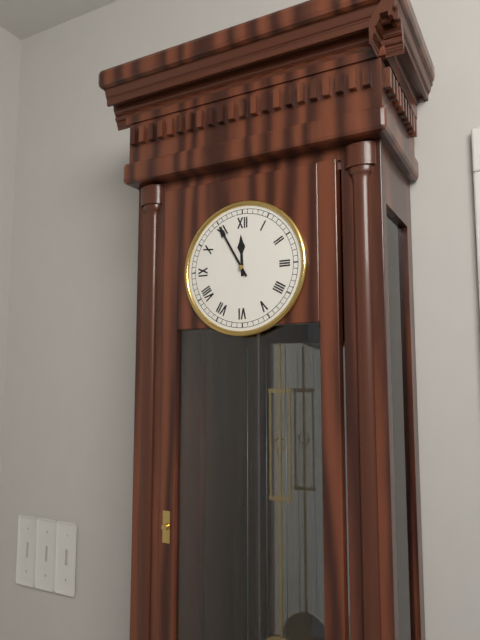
11 h 55 min
